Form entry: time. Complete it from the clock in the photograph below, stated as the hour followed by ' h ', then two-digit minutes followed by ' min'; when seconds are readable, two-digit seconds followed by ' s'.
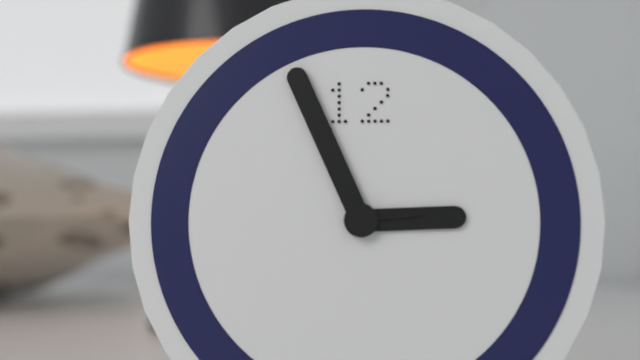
2 h 56 min 14 s
